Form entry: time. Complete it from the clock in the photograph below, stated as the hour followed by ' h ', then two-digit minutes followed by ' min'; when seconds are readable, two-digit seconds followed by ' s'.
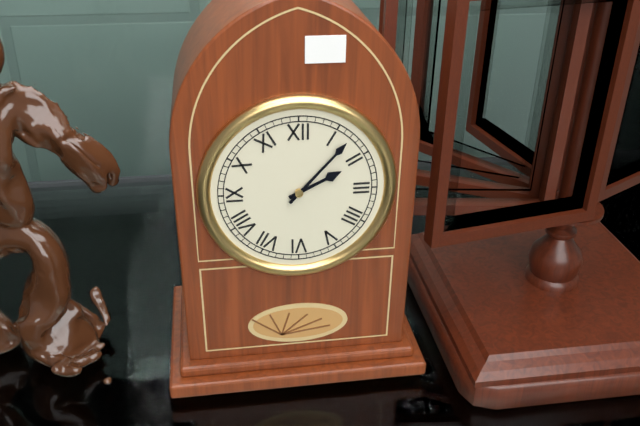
2 h 07 min
